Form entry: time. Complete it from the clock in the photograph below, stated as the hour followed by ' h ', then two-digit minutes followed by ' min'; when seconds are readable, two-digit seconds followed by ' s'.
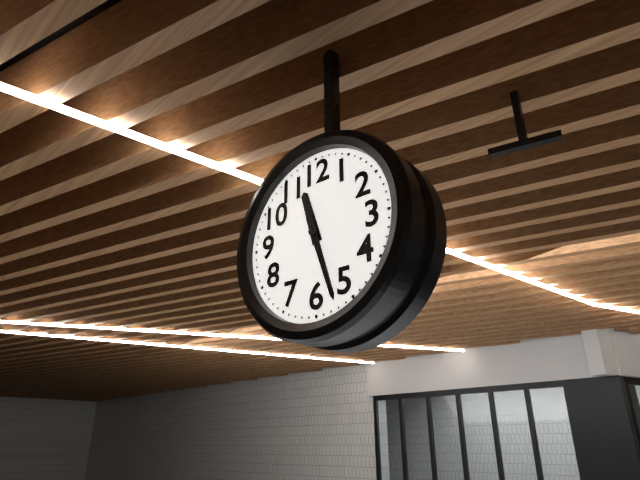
11 h 27 min
